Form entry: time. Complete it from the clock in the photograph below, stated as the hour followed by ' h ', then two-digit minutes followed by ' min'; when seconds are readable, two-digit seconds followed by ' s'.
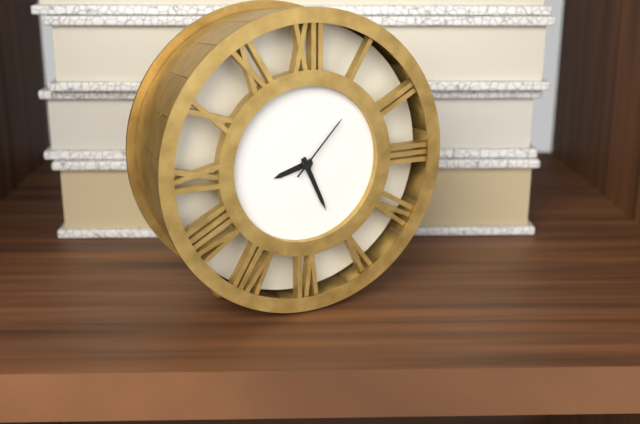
8 h 26 min 07 s
